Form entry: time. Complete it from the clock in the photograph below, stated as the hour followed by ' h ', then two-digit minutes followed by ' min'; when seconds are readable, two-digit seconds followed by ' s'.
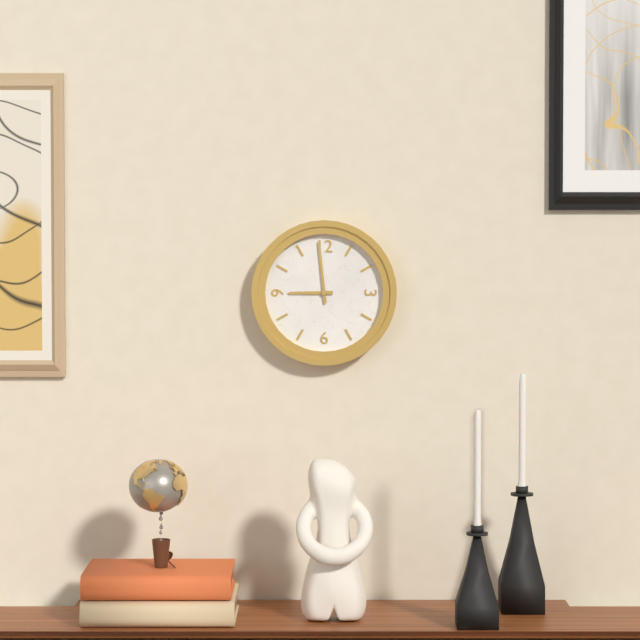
8 h 59 min
